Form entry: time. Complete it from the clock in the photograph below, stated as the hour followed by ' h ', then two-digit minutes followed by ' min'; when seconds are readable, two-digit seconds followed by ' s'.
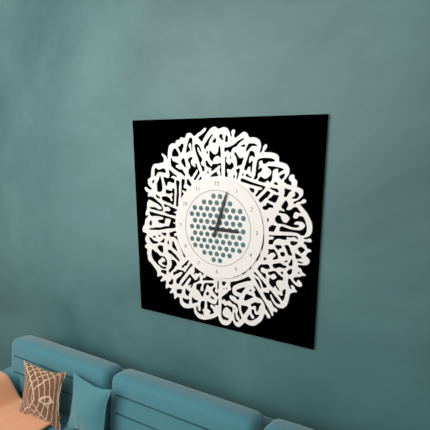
3 h 03 min
